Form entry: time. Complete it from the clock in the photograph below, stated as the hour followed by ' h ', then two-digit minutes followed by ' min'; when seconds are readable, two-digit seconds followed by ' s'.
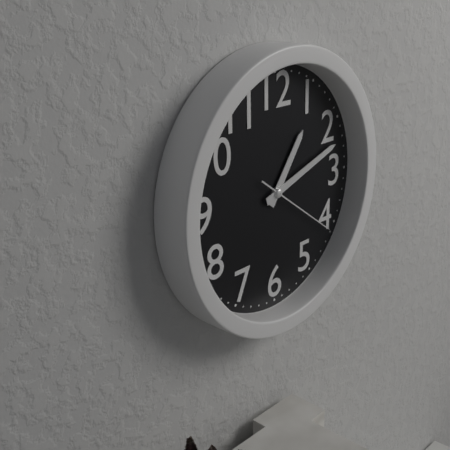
1 h 12 min 21 s
